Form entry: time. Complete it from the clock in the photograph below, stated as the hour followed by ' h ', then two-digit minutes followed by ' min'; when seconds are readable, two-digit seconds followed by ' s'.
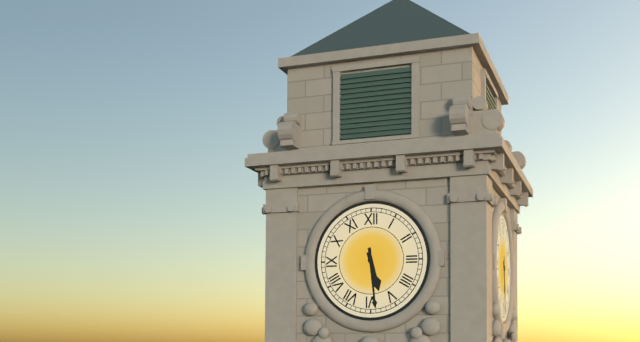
5 h 29 min
